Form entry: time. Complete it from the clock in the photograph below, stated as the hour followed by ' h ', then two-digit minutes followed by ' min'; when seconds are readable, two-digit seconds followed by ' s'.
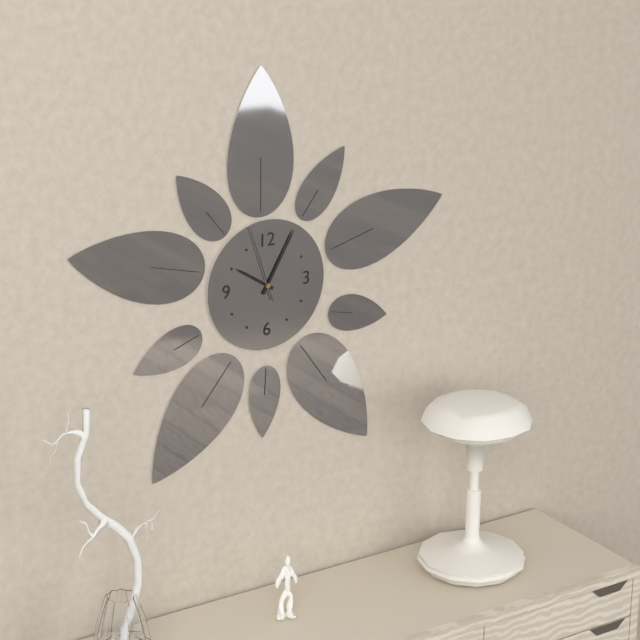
10 h 05 min 57 s
